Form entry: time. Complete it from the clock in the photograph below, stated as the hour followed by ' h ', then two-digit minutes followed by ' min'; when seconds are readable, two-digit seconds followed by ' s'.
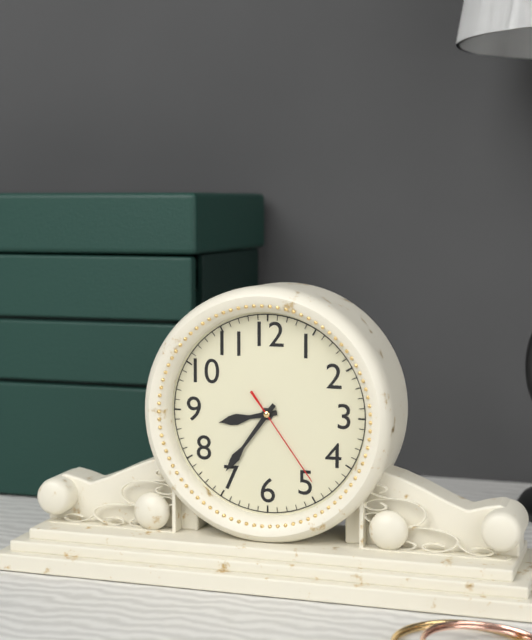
8 h 36 min 24 s
